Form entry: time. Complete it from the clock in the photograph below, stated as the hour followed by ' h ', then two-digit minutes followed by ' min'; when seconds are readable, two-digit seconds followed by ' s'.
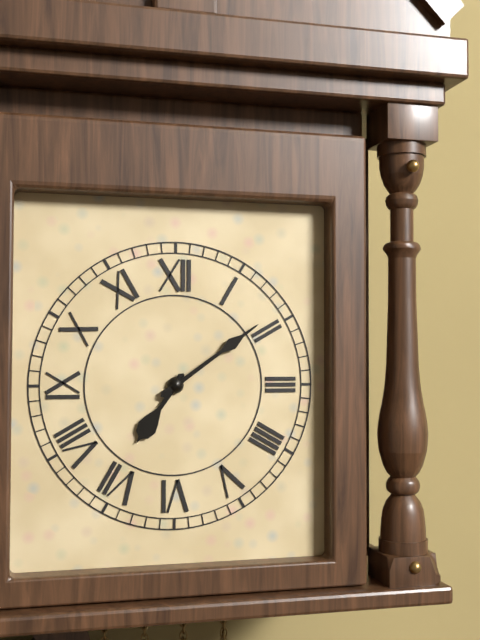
7 h 09 min
